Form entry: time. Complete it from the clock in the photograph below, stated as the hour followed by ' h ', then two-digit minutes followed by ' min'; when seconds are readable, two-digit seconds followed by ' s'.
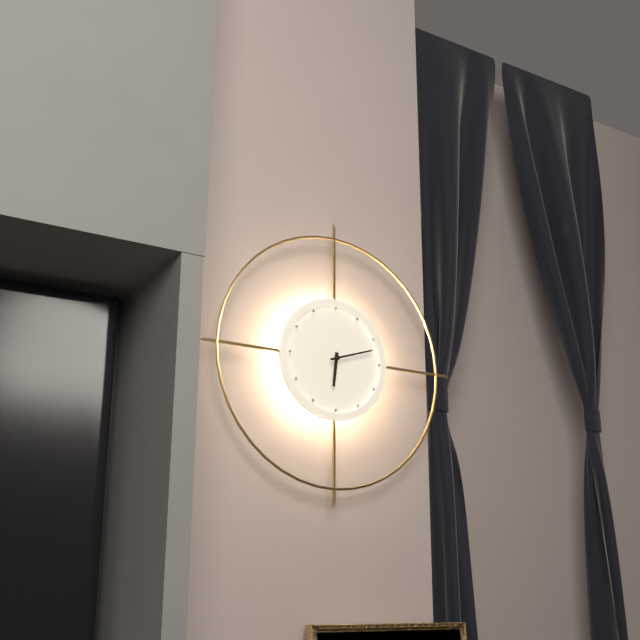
6 h 12 min
